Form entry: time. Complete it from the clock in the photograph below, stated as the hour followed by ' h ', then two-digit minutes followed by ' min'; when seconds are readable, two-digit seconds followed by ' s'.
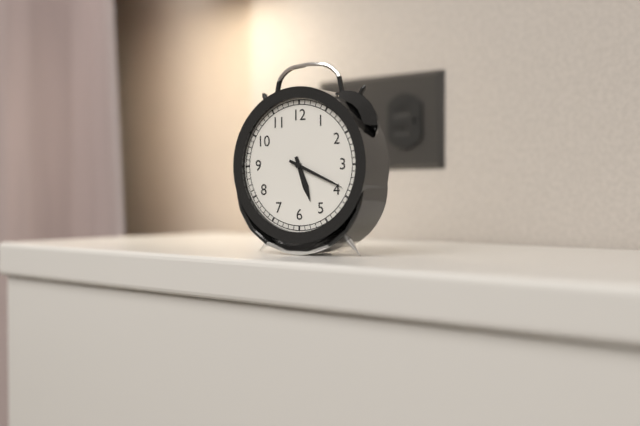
5 h 19 min
